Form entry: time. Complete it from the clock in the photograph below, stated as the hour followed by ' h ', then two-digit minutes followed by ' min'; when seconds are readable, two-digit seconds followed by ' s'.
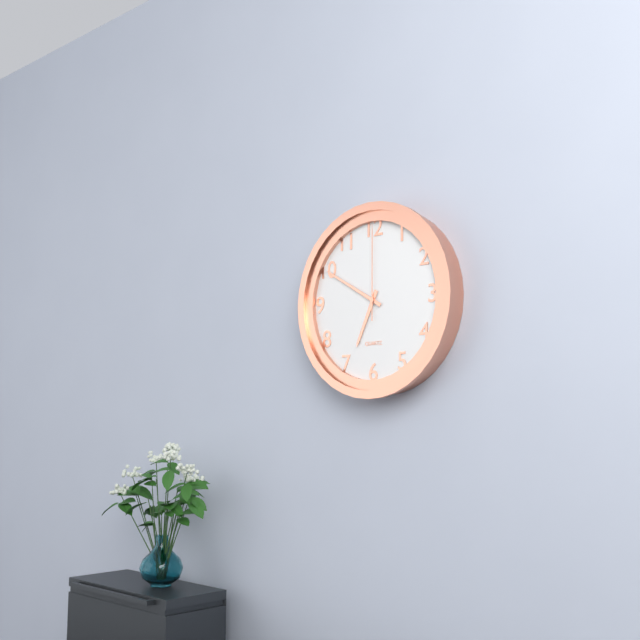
6 h 50 min 00 s
